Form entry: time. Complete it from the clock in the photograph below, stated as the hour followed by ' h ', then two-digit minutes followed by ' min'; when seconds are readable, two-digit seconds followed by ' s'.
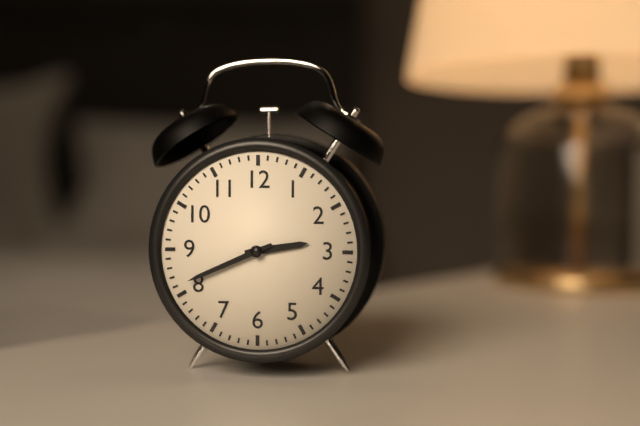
2 h 41 min
